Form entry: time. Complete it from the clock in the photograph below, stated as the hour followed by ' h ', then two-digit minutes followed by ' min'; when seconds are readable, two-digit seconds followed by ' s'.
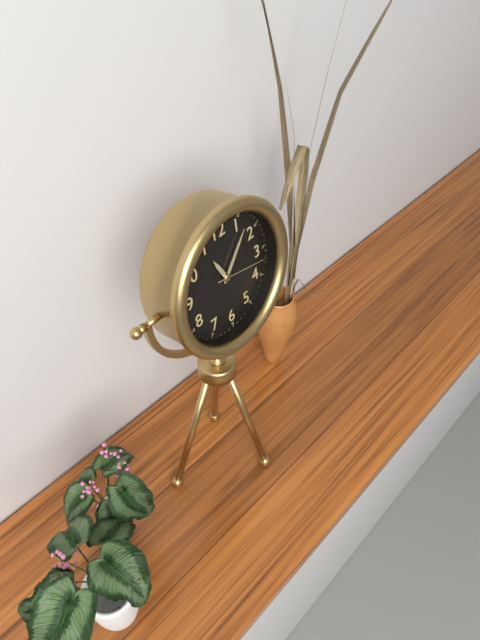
11 h 07 min 17 s
